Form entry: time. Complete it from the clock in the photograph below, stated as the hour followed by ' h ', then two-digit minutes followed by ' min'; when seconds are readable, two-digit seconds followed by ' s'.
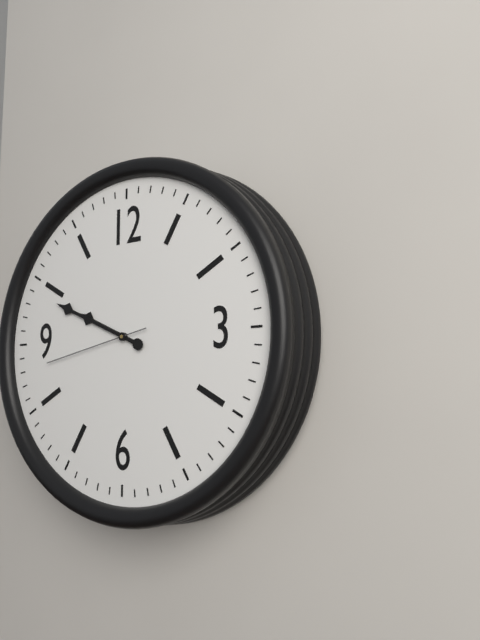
9 h 49 min 43 s
